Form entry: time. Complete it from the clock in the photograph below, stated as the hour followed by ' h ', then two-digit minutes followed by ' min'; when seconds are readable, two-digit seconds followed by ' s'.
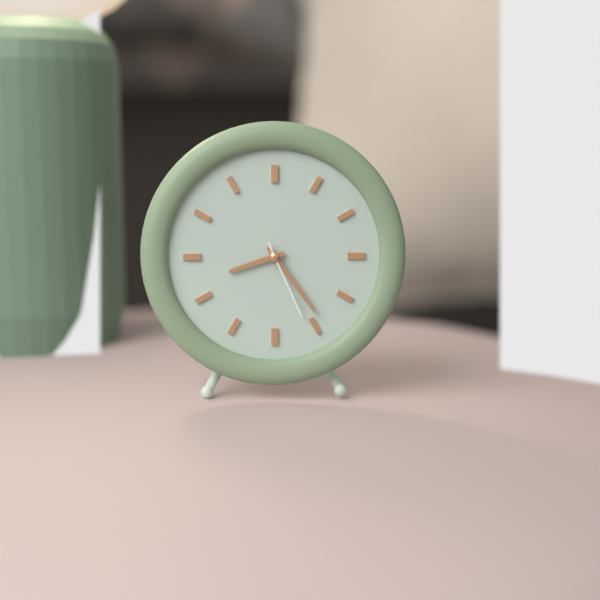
8 h 24 min 26 s
